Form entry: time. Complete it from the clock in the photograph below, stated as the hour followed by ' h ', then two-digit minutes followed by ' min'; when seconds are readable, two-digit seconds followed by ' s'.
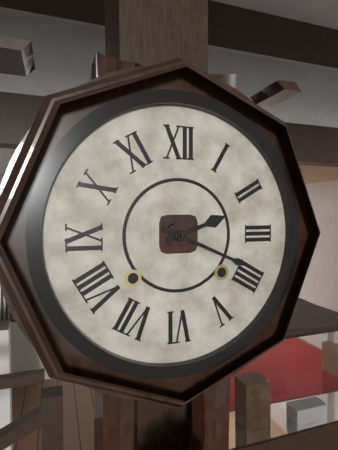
2 h 19 min
